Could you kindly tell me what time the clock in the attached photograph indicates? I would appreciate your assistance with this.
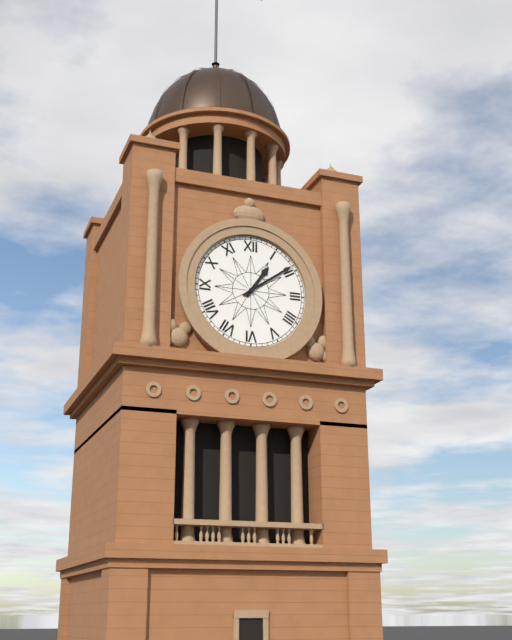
1:09
